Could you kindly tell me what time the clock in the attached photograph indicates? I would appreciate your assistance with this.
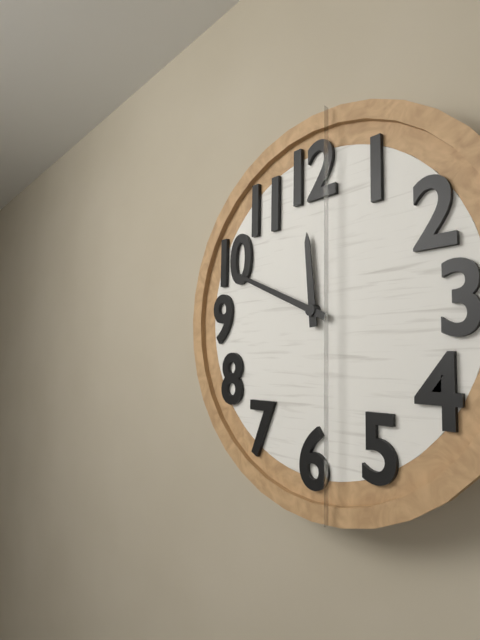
11:49
